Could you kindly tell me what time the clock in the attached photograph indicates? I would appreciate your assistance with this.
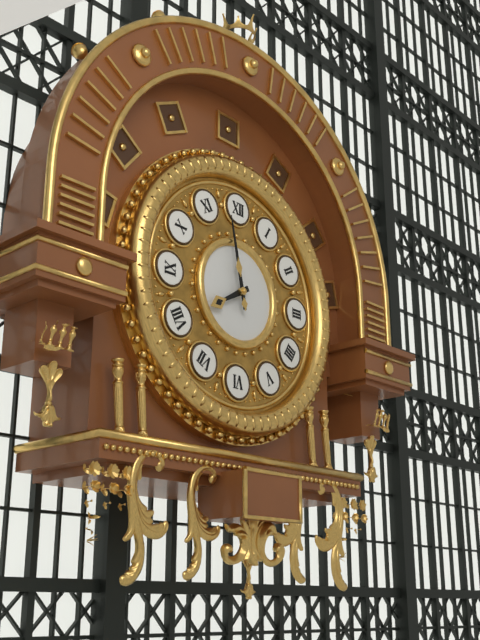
7:58
